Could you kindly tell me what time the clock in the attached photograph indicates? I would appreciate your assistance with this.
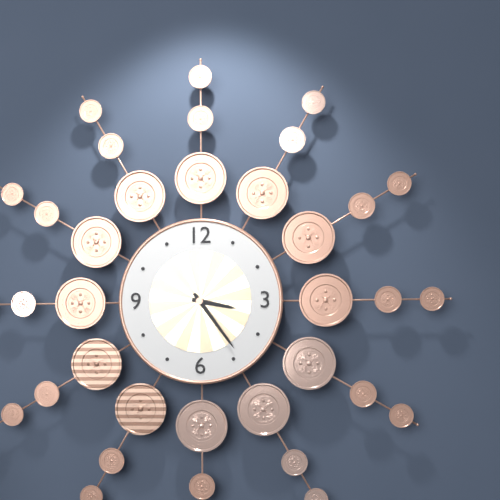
3:24
